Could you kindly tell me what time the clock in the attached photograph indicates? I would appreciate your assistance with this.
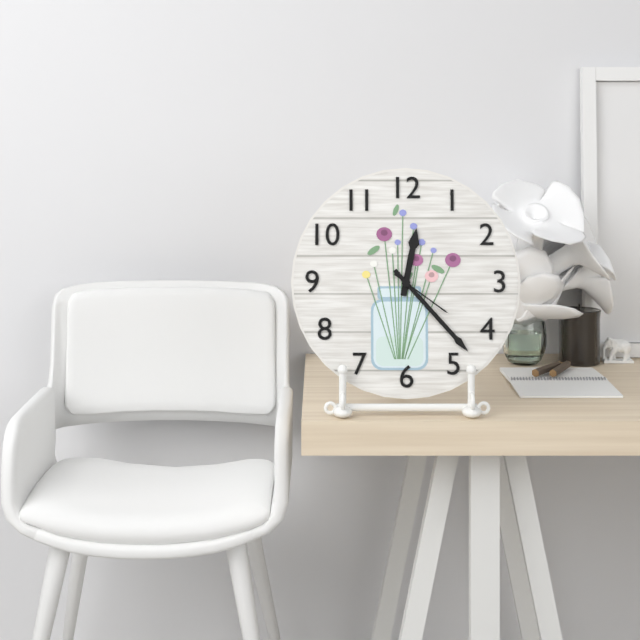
12:23:21
